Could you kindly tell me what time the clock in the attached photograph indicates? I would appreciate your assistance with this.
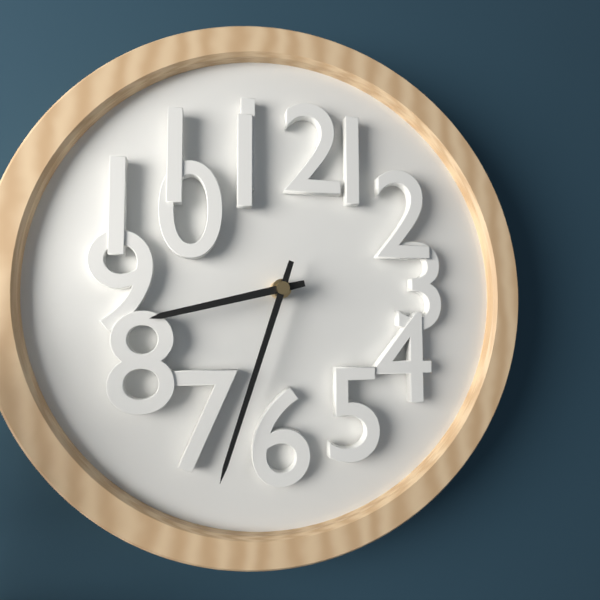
8:33
